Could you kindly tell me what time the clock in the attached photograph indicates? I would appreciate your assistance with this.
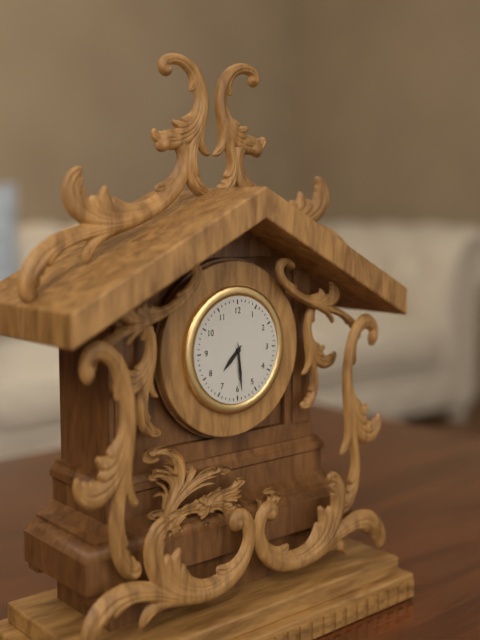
7:29
